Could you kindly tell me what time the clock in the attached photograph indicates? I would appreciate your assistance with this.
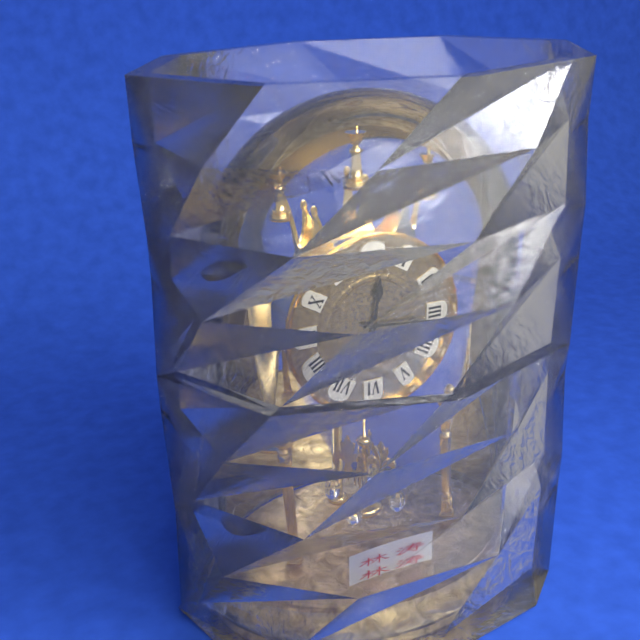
12:16
